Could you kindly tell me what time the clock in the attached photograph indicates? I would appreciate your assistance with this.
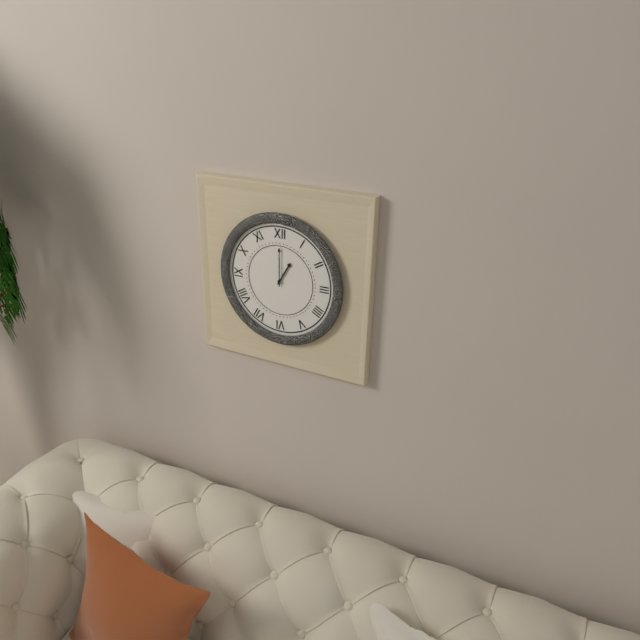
1:00
